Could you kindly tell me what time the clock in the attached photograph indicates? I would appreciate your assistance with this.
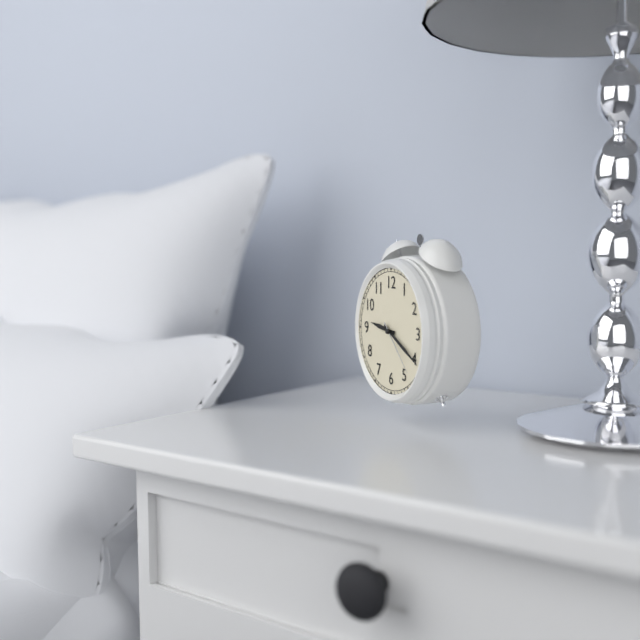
9:20:23
